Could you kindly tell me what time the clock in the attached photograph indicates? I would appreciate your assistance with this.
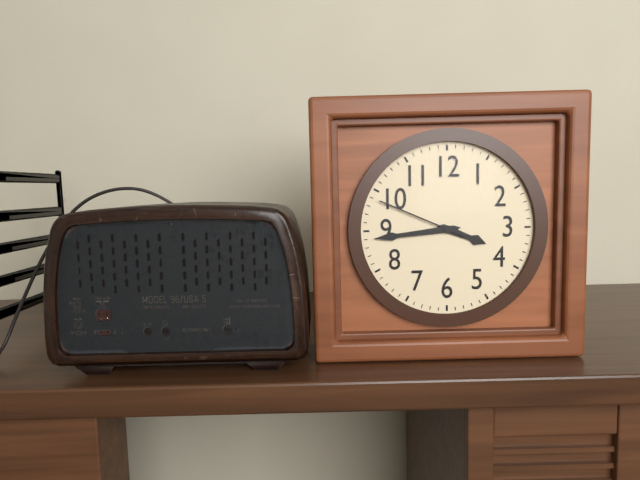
3:44:49
